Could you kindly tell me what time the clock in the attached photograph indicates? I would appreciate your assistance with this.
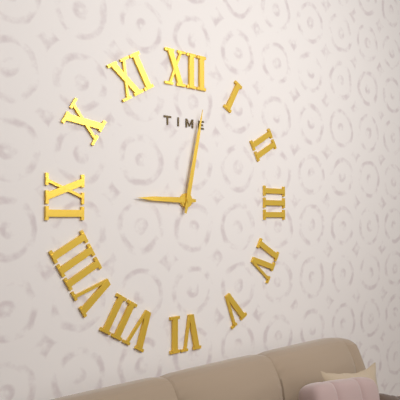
9:02
